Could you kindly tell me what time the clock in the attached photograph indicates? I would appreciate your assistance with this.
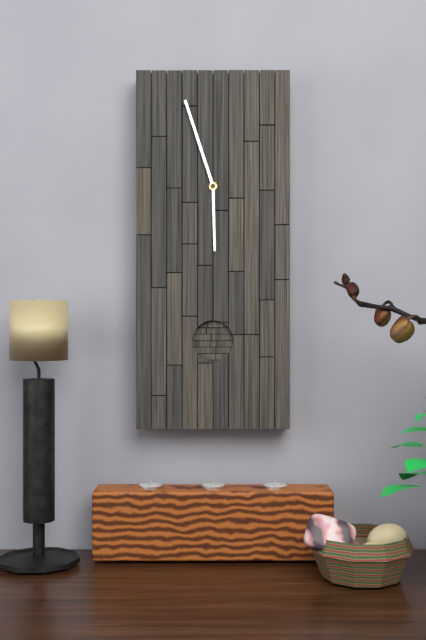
5:57
